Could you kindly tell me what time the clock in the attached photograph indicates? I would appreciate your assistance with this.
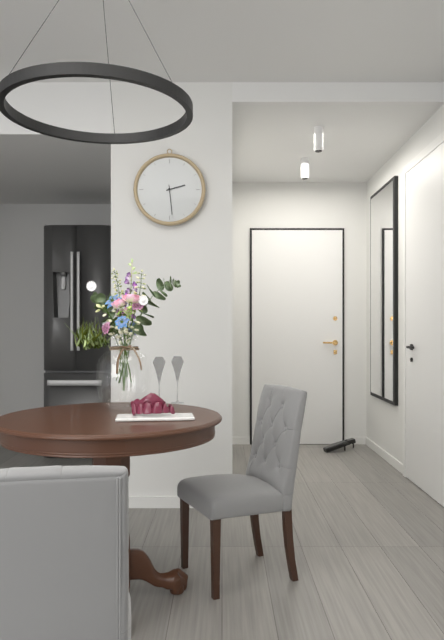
2:29
